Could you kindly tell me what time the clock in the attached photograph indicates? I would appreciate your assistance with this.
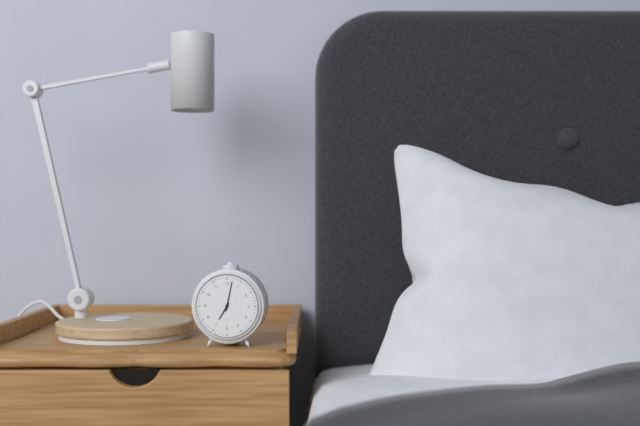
7:02
